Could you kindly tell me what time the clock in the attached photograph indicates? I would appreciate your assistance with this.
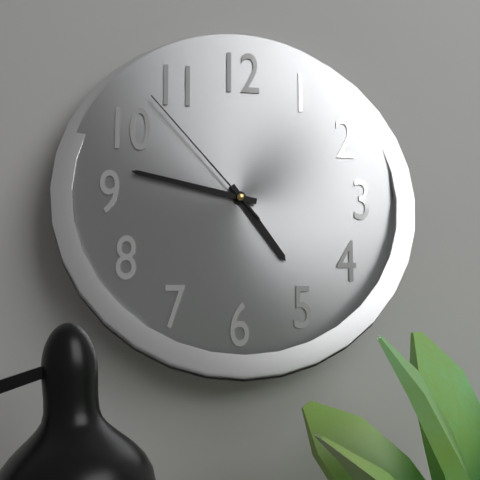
4:47:53
